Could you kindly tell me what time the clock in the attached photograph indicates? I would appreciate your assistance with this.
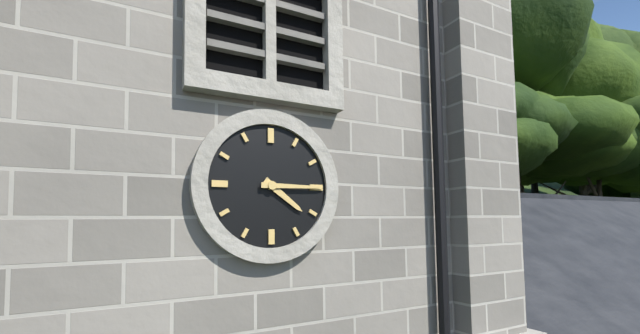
4:15
